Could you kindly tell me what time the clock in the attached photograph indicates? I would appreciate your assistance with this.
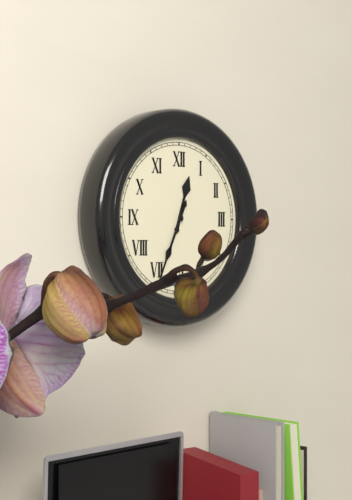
12:34
